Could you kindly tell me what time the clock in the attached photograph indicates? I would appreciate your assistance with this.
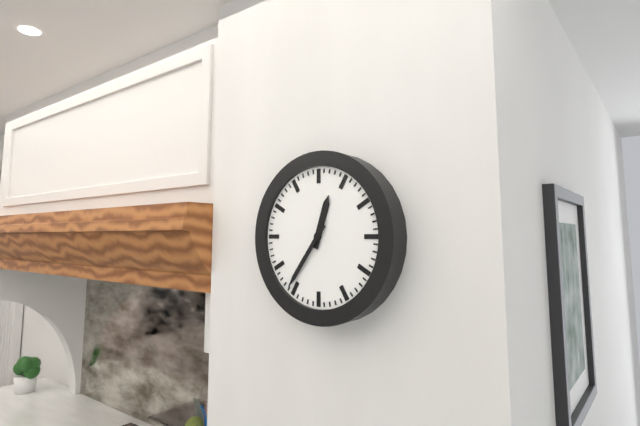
12:36
